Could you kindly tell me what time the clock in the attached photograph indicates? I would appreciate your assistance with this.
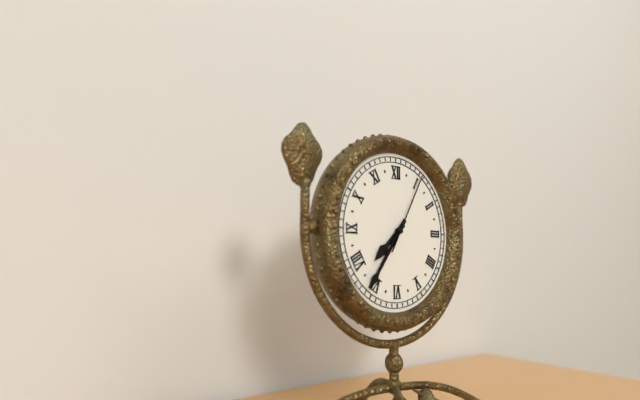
7:36:05
